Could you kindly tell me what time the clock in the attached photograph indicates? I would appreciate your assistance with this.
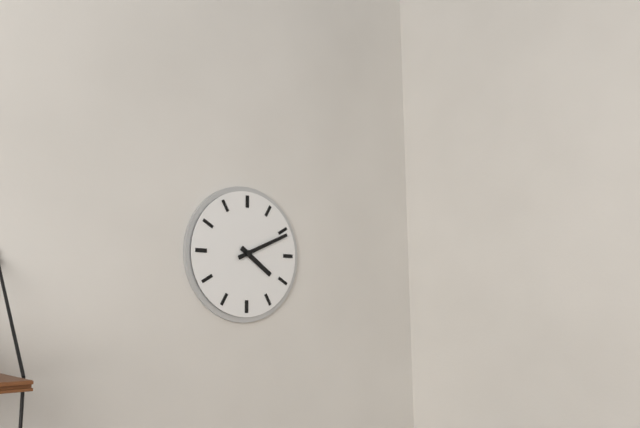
4:11
